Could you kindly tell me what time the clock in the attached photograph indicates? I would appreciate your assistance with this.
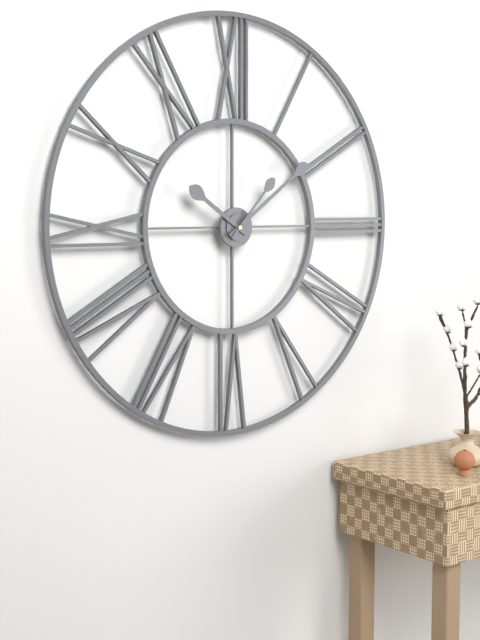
10:09:07
